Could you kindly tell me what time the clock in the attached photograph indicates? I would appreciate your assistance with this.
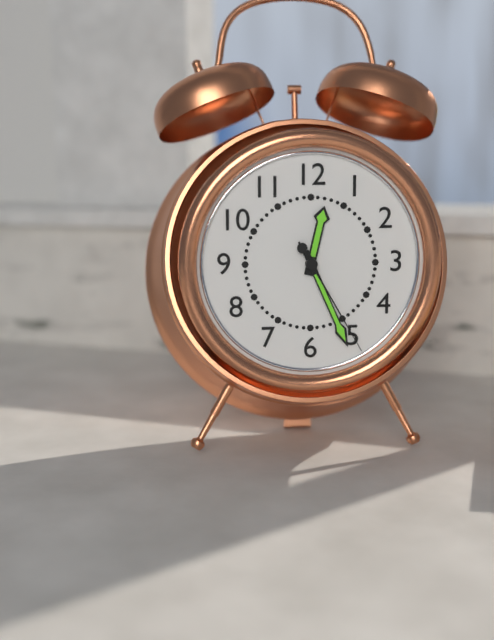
12:26:25
